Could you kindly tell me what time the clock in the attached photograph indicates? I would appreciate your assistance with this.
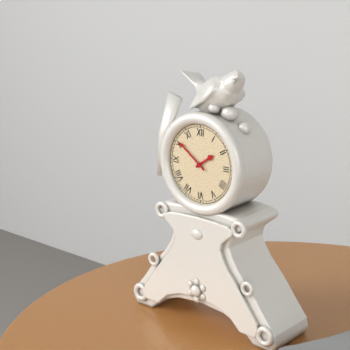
1:51
